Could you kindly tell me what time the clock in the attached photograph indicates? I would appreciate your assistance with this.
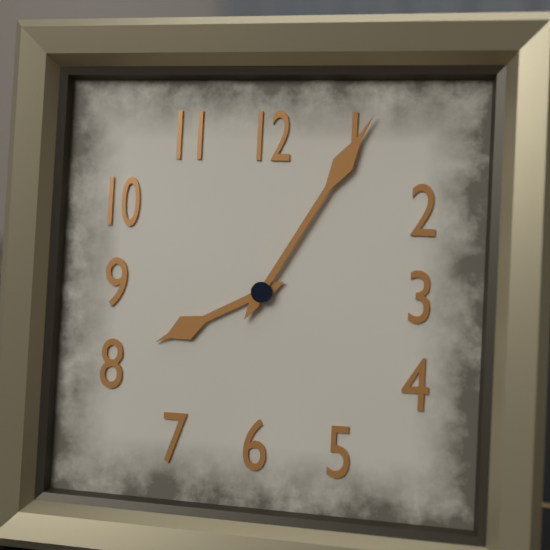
8:05
